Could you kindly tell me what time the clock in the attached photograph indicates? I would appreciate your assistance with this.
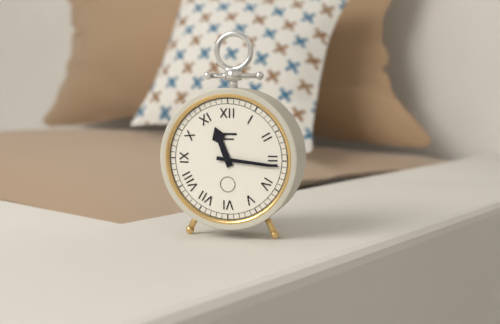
11:16
